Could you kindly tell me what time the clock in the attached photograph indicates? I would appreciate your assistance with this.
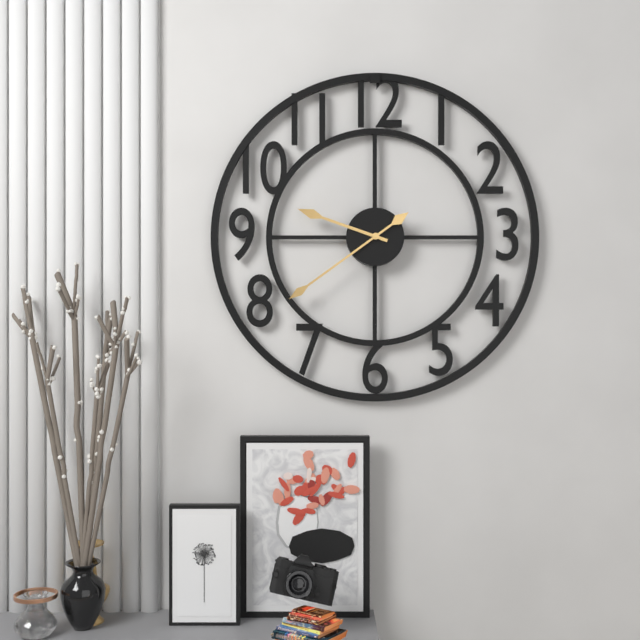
9:39
